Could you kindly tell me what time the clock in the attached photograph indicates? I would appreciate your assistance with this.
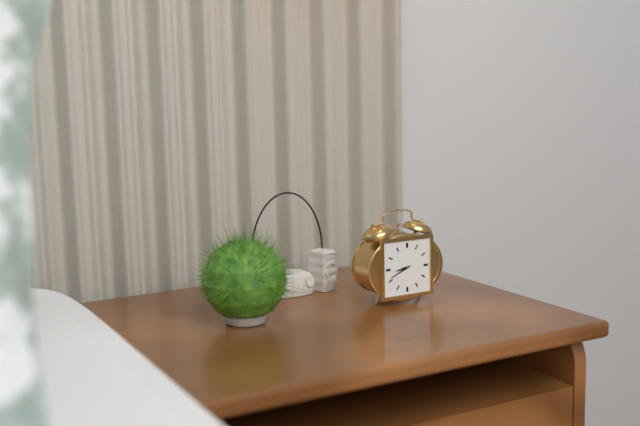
8:41
